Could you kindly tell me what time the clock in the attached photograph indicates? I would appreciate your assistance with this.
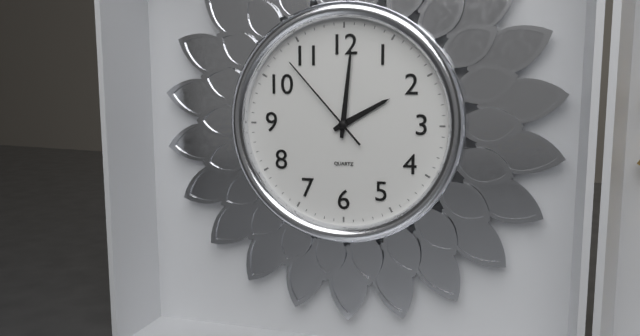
2:01:53
